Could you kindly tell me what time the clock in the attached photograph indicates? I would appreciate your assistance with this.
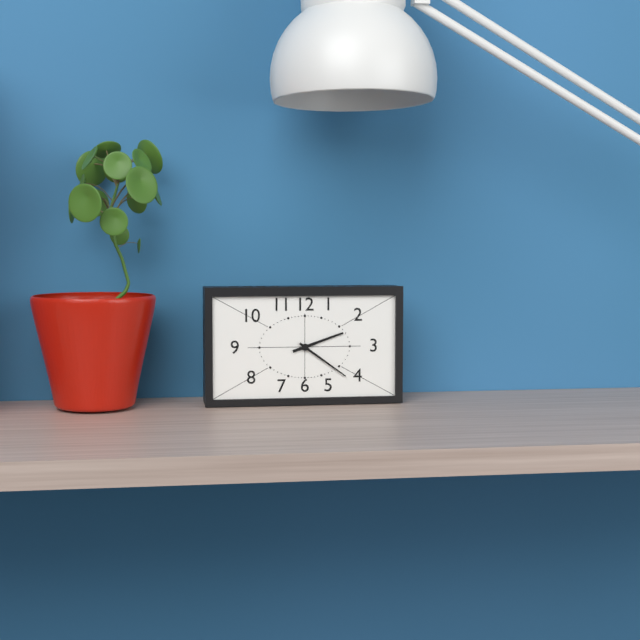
2:21
